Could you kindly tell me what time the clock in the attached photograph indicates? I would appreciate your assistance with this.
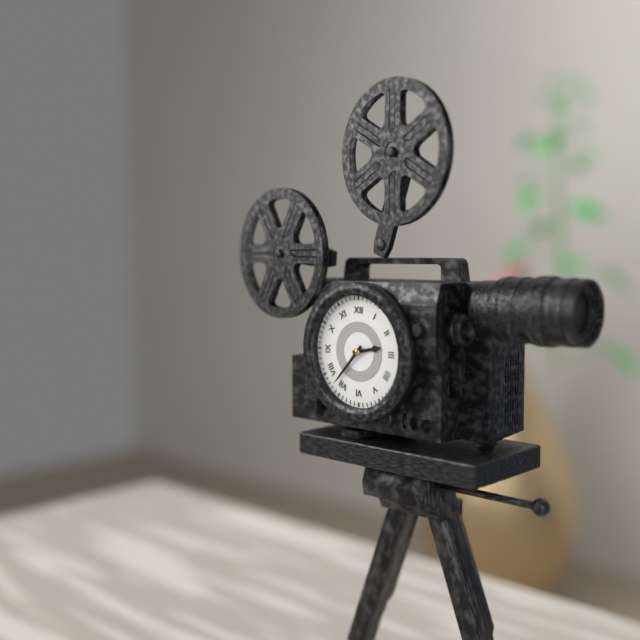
2:37
